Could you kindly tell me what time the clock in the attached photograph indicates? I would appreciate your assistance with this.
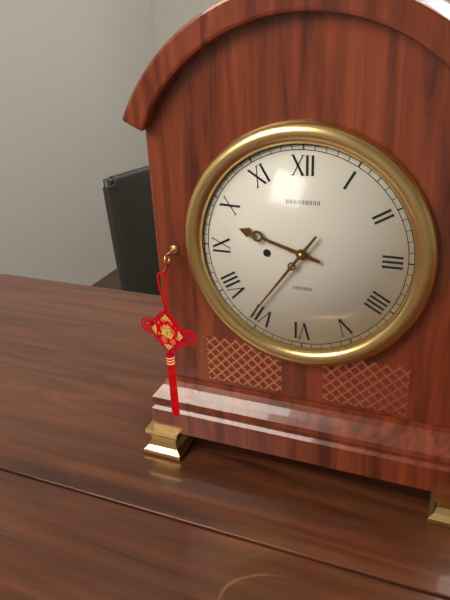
9:36
